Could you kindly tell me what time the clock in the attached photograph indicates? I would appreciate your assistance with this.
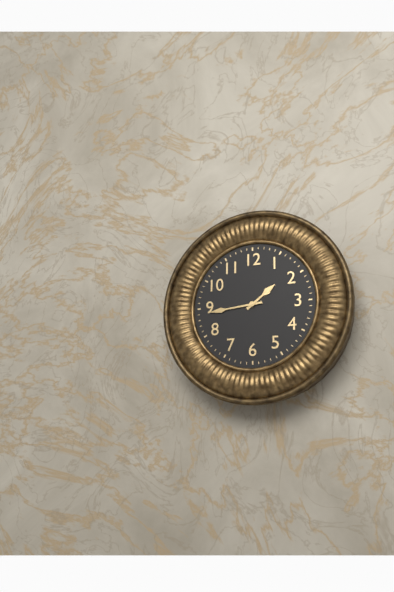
1:44
